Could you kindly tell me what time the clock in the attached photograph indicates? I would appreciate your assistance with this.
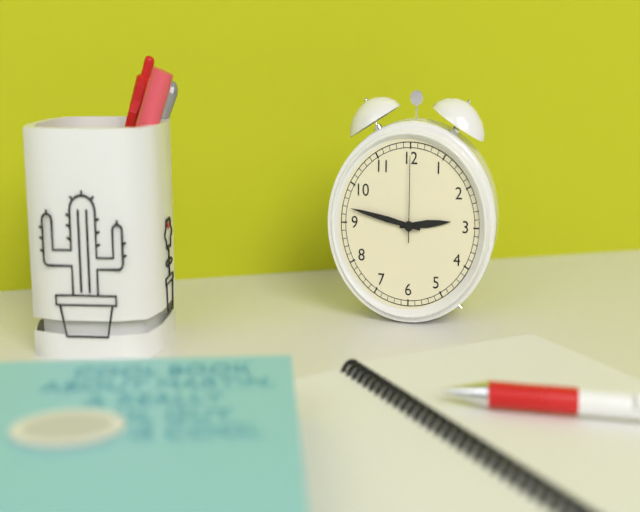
2:47:00
